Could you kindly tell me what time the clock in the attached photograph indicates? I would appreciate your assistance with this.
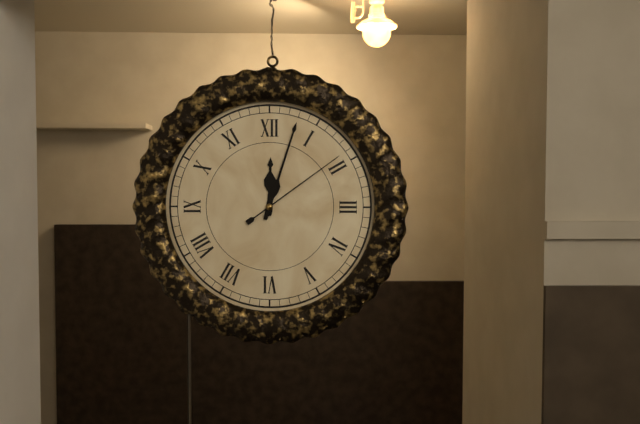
12:03:09
